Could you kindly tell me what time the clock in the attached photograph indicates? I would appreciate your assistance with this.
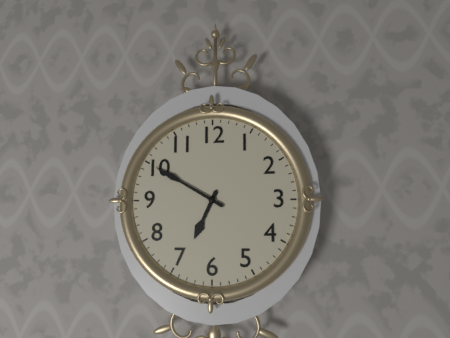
6:50
